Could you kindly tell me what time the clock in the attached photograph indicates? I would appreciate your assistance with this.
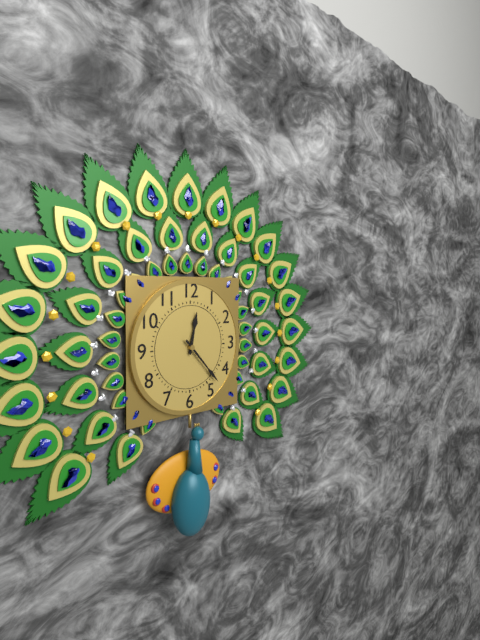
12:23
